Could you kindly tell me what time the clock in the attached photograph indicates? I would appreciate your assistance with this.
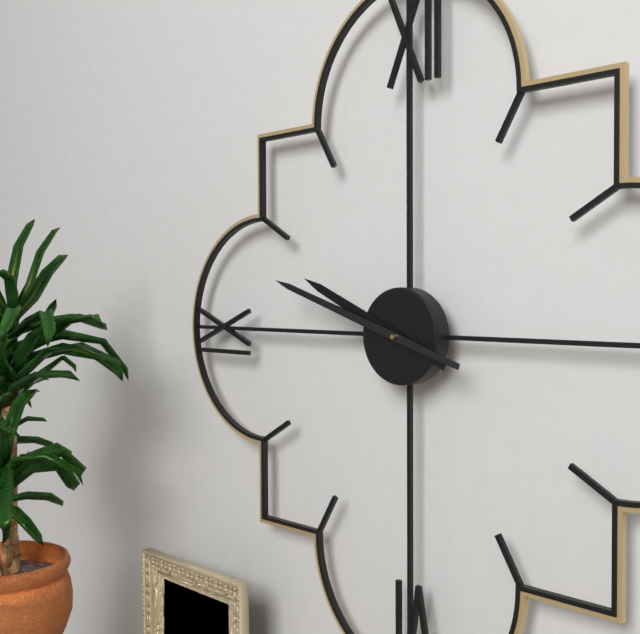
9:48
